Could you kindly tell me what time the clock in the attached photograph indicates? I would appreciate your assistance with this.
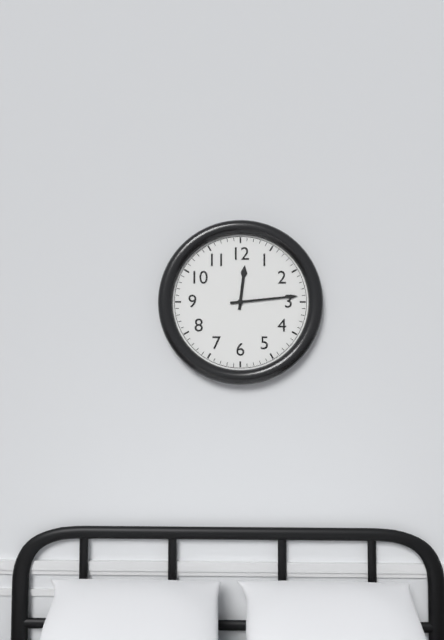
12:14
